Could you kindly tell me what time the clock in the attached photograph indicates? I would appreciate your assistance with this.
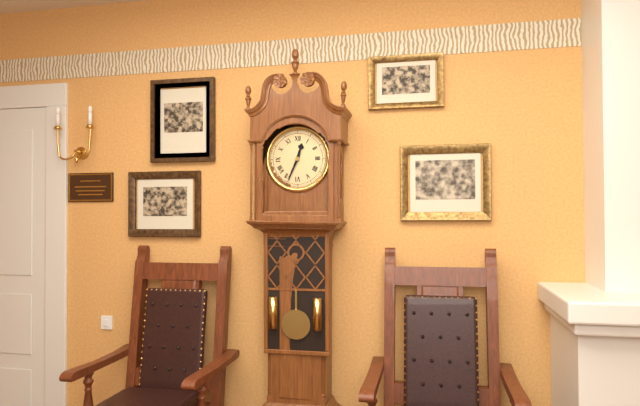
12:34
